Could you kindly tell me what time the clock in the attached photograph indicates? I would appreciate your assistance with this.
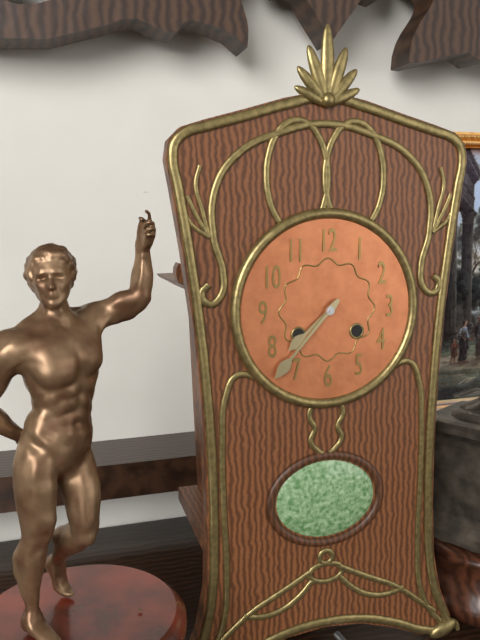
7:37
